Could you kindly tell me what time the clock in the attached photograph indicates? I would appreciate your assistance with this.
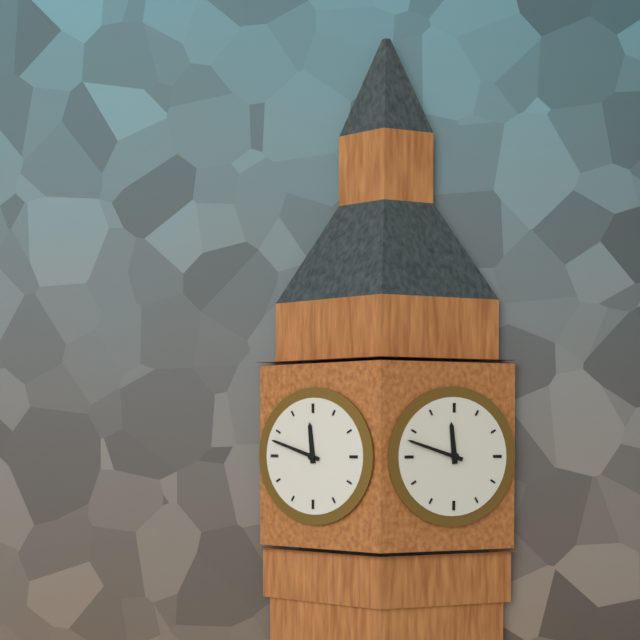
11:48
